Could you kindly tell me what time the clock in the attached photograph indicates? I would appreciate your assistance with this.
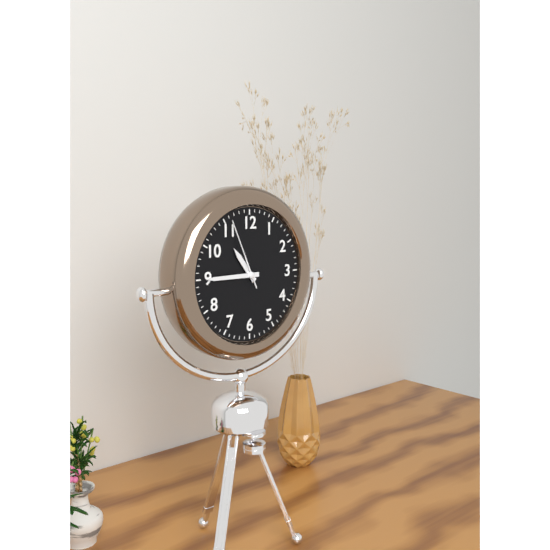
10:45:56
